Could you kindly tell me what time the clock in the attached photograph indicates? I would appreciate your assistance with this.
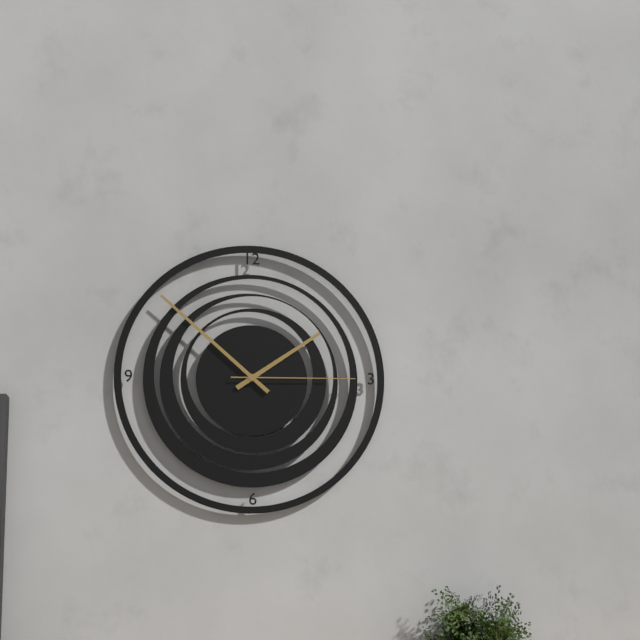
1:52:15
